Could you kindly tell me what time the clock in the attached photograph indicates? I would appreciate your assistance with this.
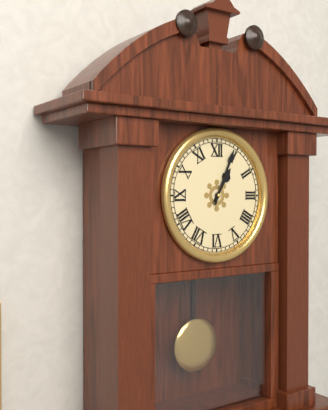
1:04
